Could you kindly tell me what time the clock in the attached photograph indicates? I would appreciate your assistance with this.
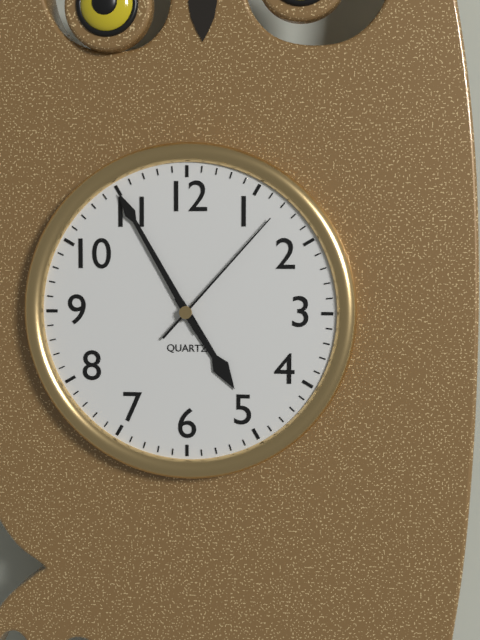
4:55:07
